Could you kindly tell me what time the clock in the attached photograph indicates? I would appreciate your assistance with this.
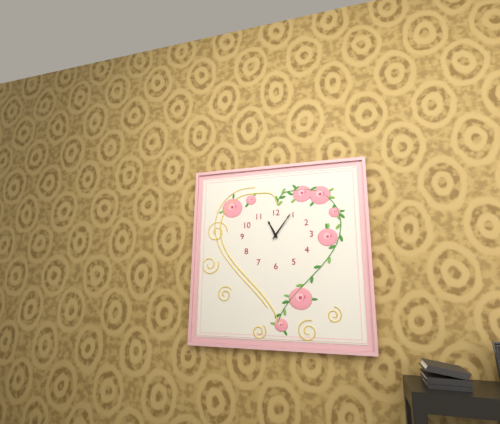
11:06
